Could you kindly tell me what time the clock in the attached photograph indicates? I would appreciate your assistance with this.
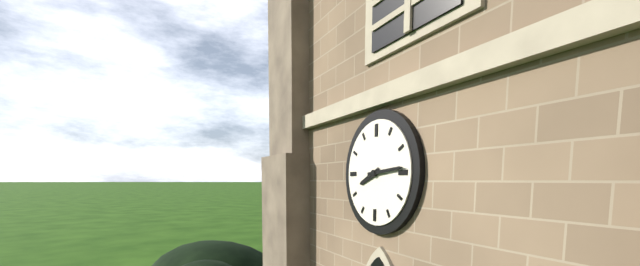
8:14
